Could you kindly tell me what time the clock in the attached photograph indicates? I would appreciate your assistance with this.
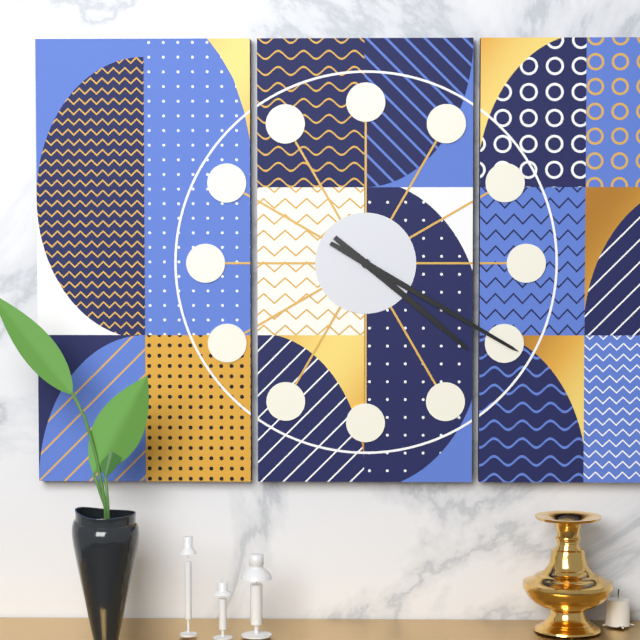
4:20
